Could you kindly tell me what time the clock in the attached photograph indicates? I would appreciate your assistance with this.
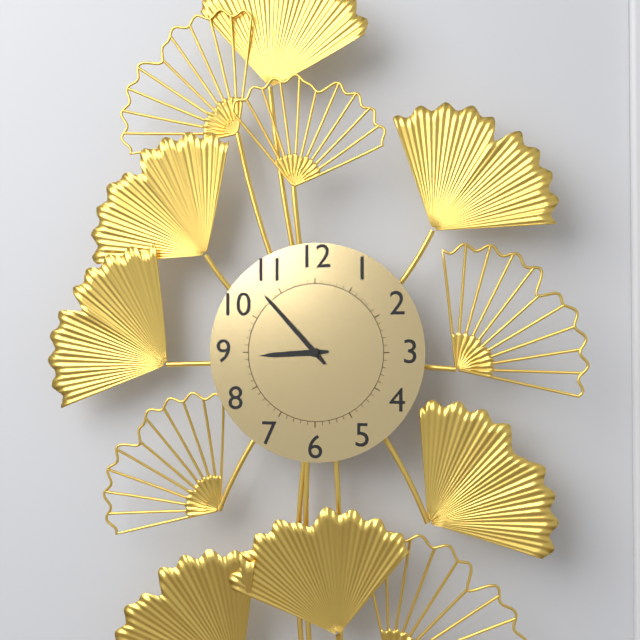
8:53
